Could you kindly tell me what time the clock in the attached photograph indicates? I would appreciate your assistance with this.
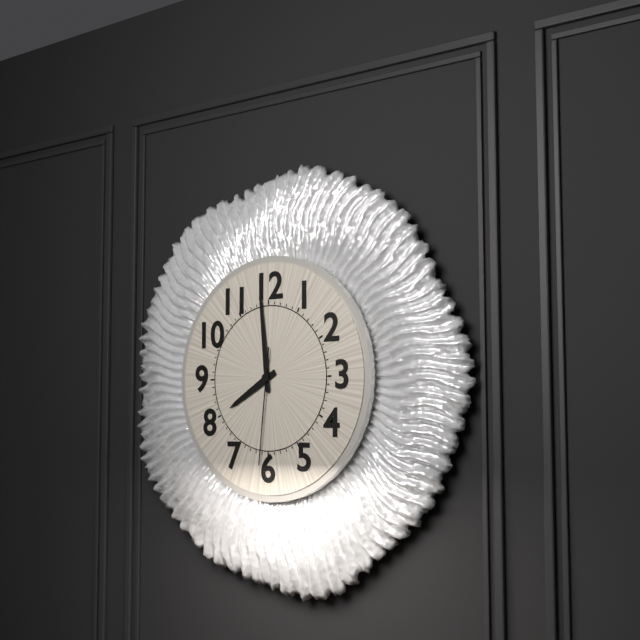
7:59:31
